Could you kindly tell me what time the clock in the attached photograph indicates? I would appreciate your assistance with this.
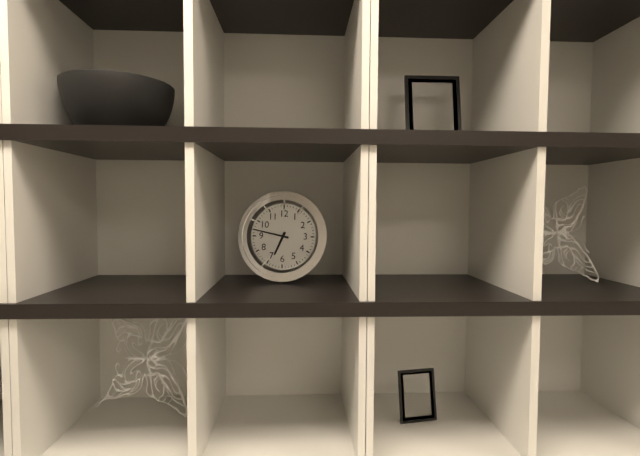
6:47
